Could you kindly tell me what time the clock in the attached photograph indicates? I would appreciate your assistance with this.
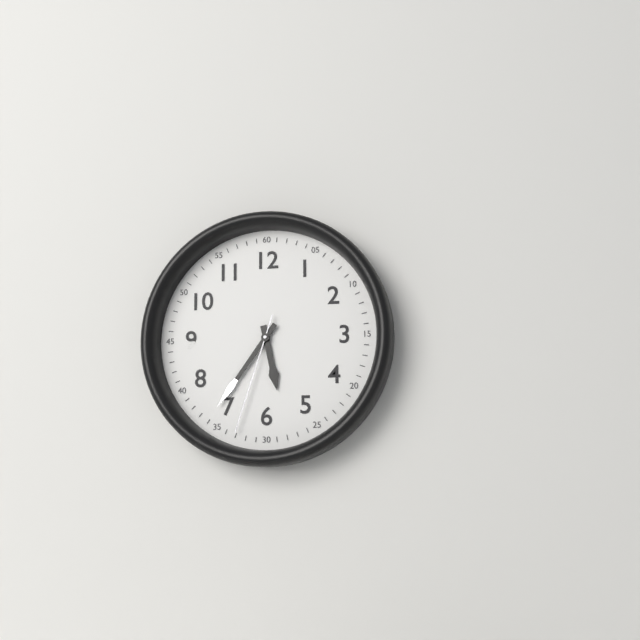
5:36:33
